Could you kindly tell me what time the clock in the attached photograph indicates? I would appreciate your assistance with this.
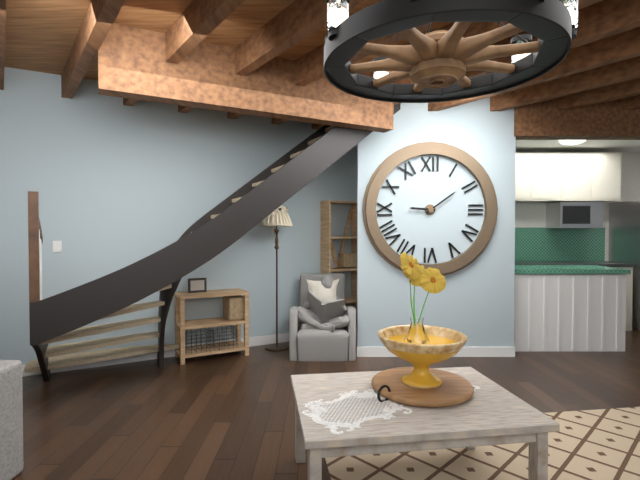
9:09
